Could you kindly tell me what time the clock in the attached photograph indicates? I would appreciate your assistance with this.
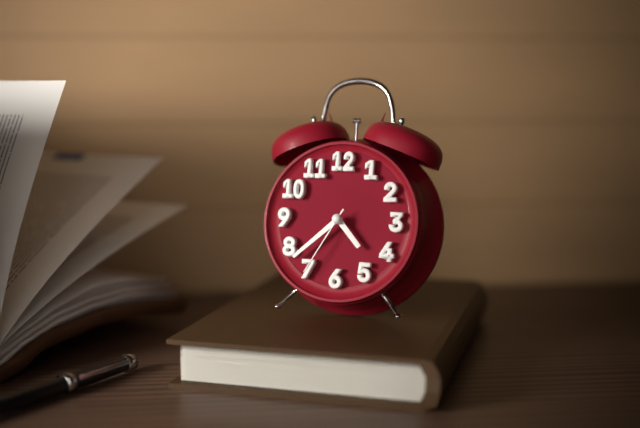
4:38:35
